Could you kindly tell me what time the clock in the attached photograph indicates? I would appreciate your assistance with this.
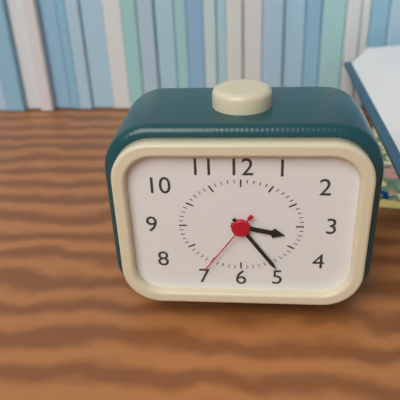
3:24:36
